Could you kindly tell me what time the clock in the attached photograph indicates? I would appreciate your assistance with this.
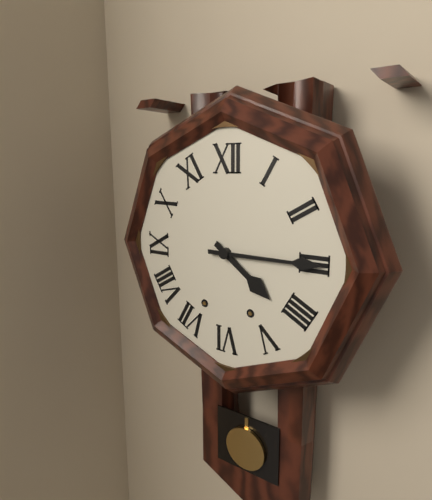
4:15
